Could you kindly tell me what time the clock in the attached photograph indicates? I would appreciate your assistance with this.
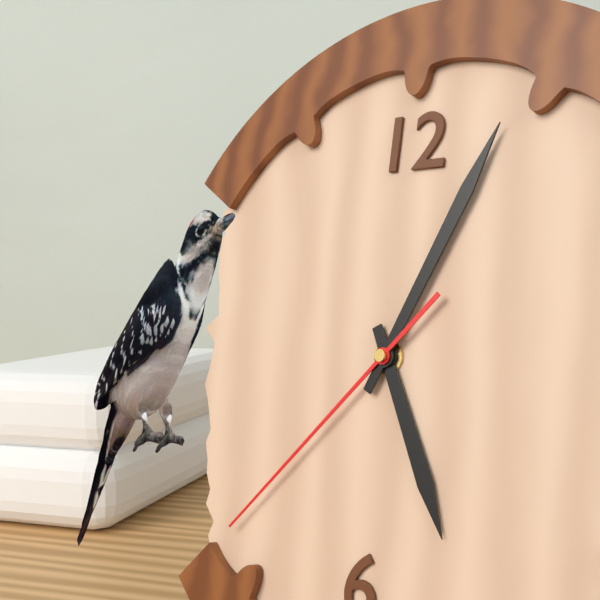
5:04:37
